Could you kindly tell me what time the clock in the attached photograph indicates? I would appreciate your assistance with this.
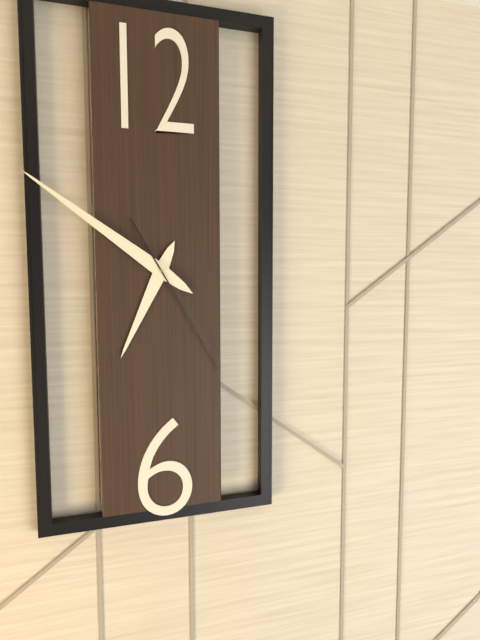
6:51:25
